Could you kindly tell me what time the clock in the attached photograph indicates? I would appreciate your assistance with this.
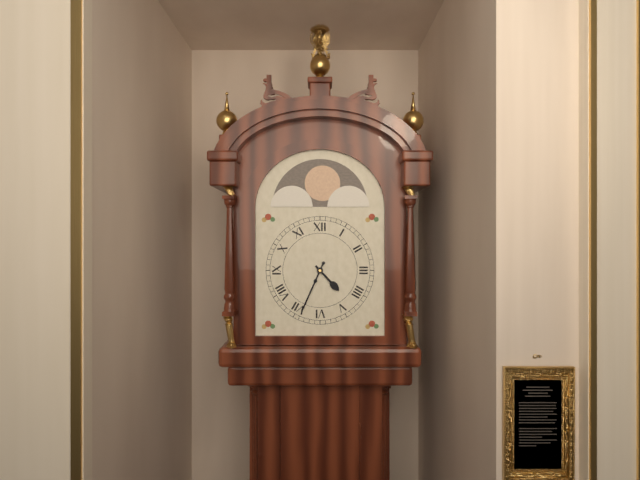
4:34
